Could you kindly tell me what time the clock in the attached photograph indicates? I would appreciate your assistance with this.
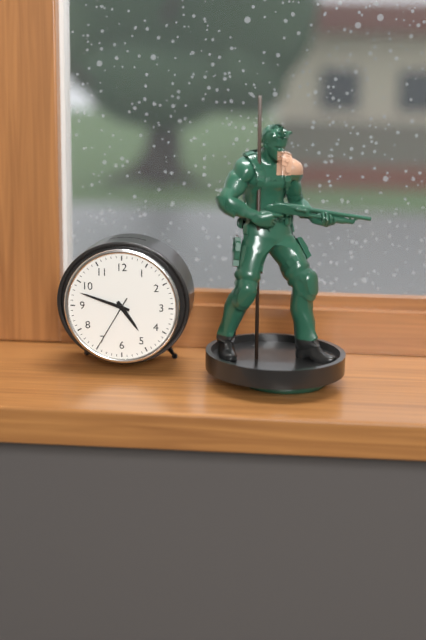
4:48:35
